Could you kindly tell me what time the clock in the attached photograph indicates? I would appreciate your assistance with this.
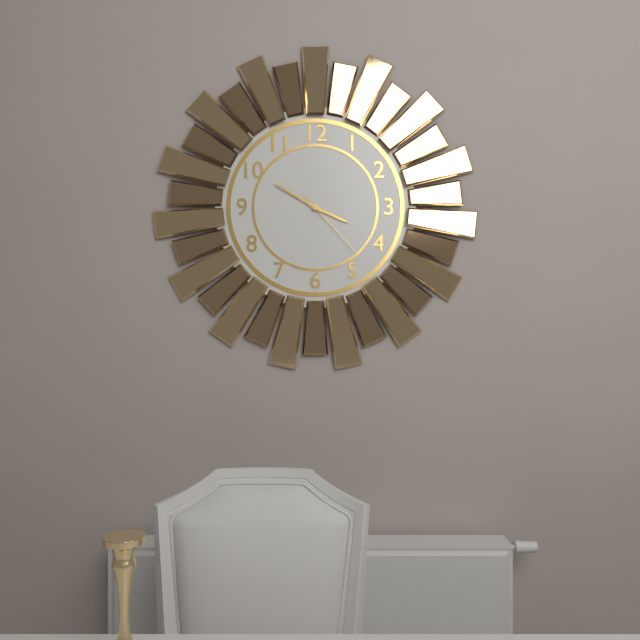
3:50:23
